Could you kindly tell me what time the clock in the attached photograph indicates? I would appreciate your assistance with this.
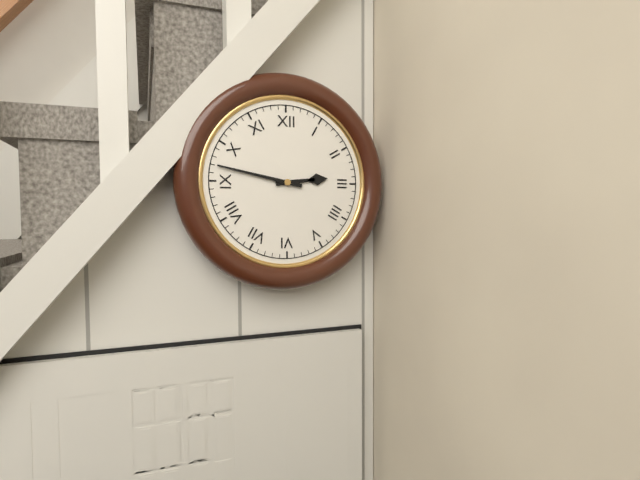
2:47
